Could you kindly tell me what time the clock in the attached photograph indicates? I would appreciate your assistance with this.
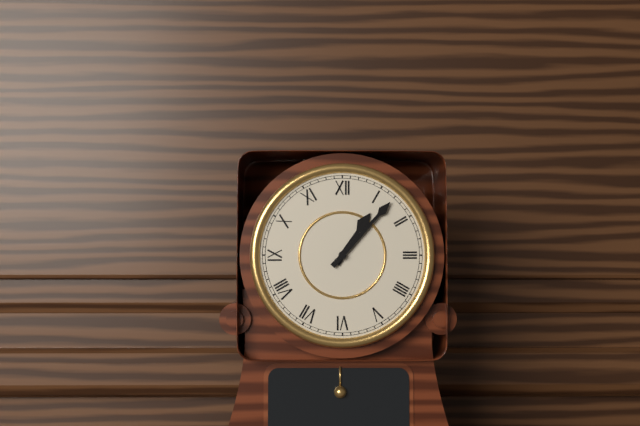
1:07
